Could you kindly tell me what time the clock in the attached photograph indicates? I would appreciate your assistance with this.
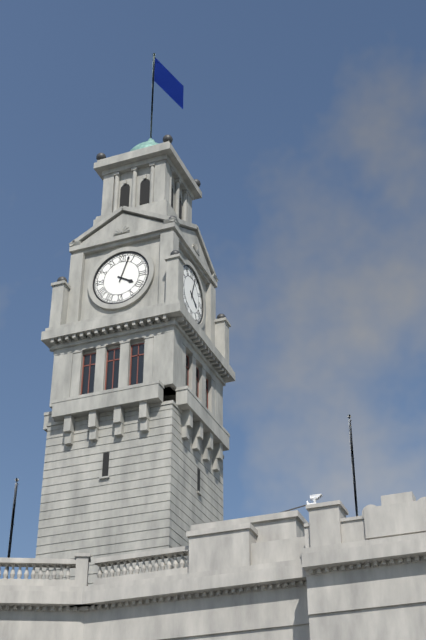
4:03
